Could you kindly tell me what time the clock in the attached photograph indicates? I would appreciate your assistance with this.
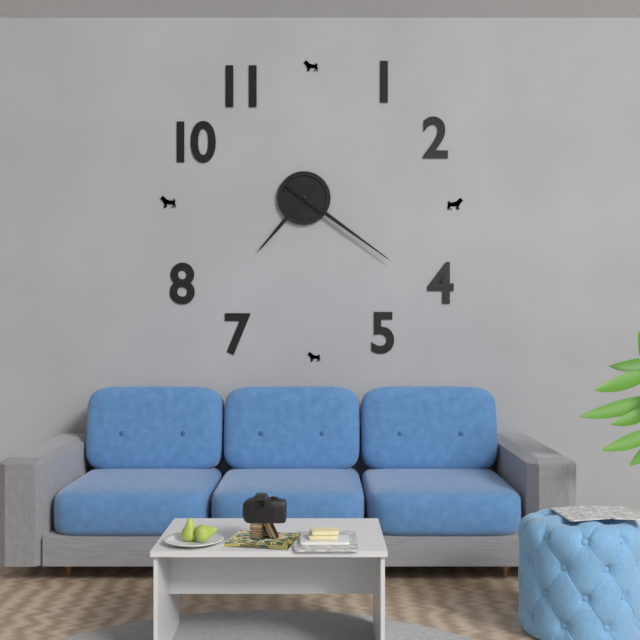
7:21
